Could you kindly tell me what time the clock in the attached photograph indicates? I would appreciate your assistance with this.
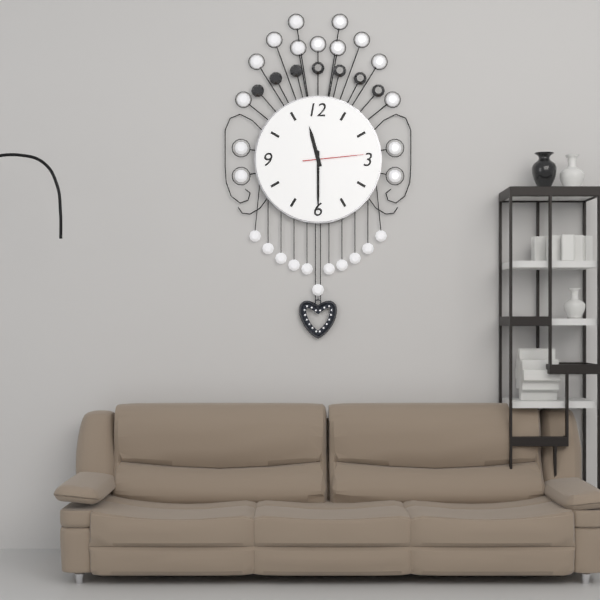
11:30:14
